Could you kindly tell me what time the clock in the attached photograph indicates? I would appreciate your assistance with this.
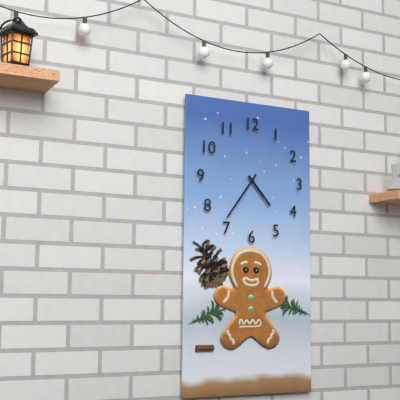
4:36
